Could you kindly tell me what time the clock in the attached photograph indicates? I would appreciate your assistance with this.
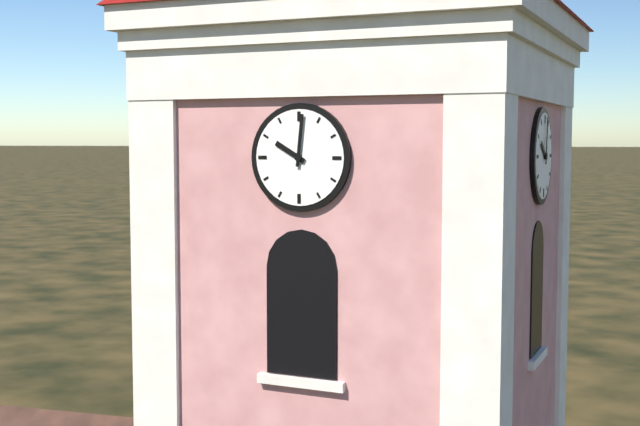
10:01
